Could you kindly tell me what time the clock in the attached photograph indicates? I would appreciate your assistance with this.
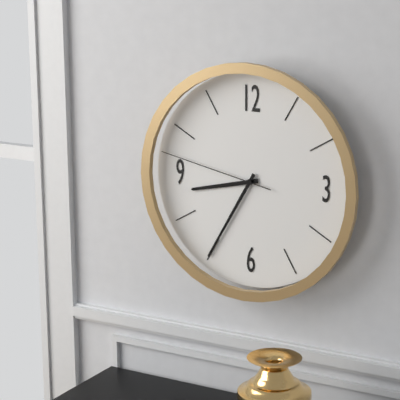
8:35:47
